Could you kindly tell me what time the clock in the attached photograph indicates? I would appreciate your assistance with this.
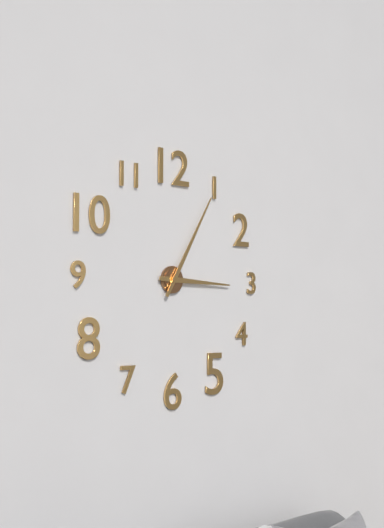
3:05
